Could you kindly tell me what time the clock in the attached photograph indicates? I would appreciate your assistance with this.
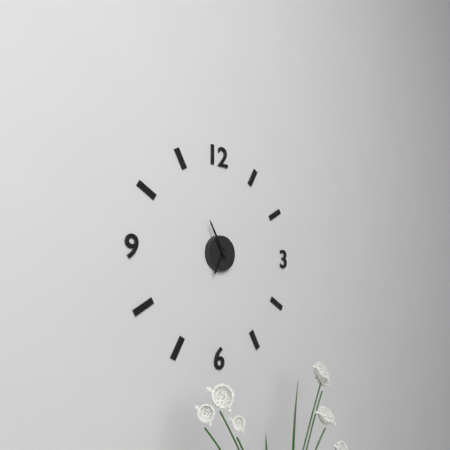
6:55
